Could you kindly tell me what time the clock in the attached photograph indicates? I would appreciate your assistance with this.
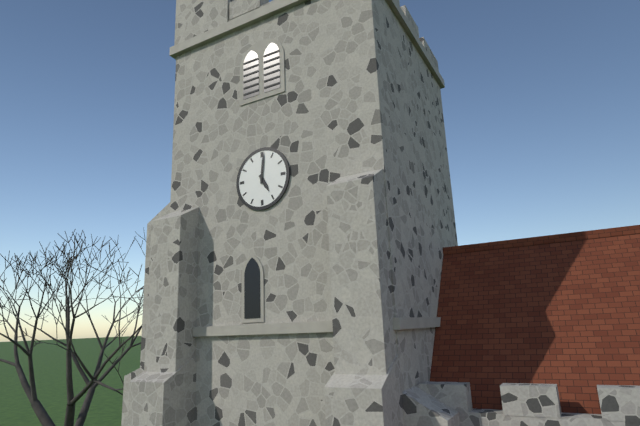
5:01
